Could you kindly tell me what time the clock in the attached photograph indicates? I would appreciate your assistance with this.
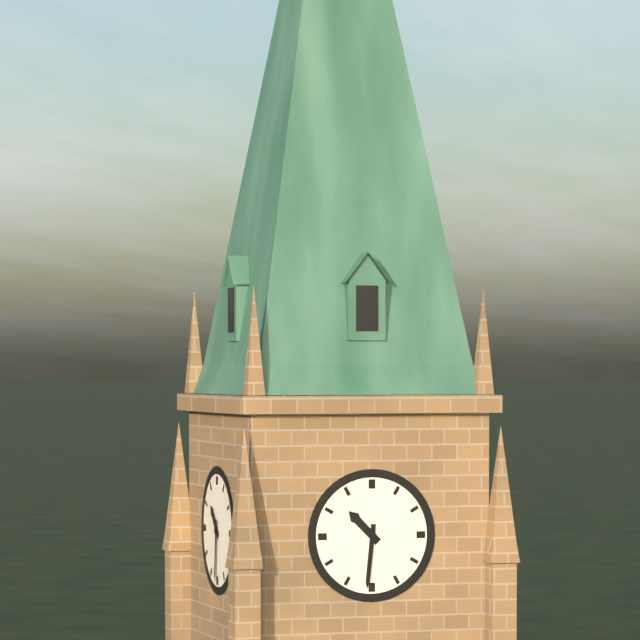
10:31
